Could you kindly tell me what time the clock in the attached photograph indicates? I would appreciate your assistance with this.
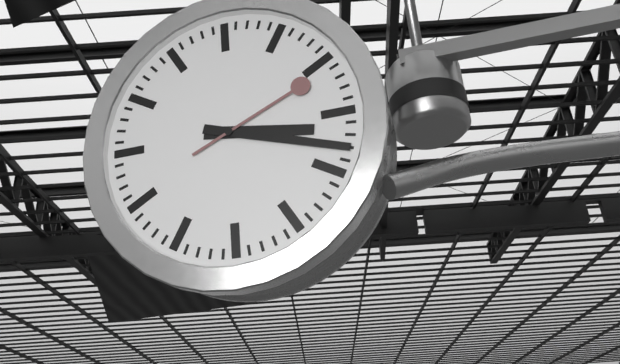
3:18:11
